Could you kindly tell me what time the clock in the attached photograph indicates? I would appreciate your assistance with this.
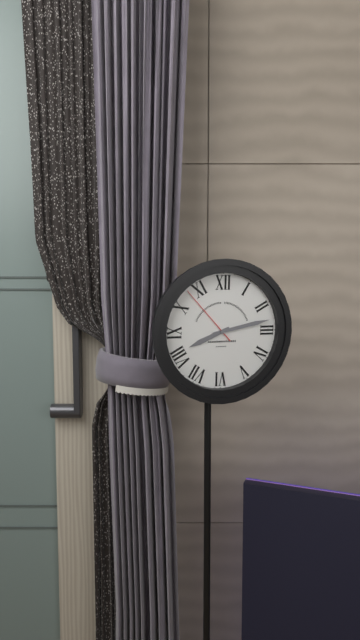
8:13:53
